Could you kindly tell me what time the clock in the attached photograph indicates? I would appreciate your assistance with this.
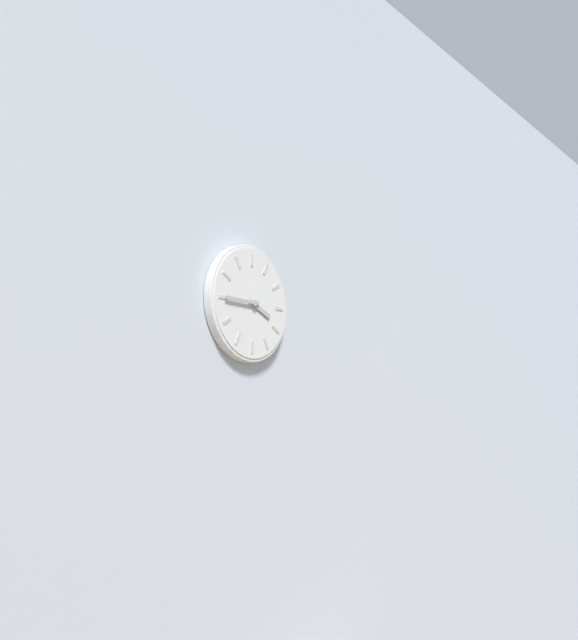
3:45
